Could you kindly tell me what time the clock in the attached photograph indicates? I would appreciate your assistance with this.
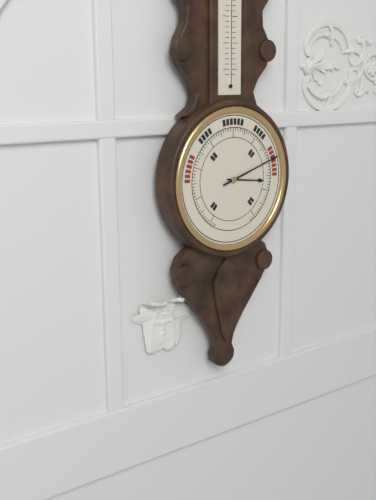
3:12
